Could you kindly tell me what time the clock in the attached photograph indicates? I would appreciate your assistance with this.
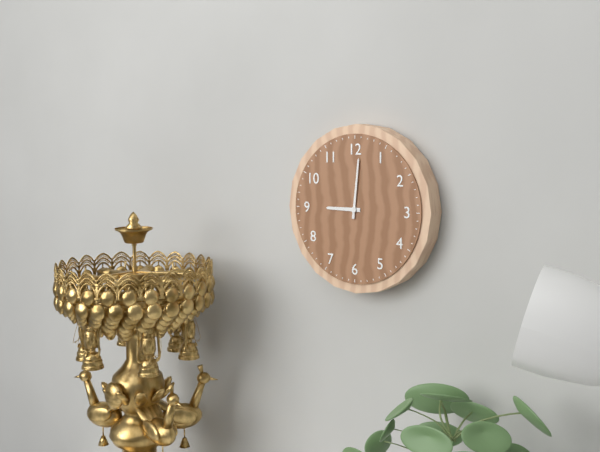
9:01
